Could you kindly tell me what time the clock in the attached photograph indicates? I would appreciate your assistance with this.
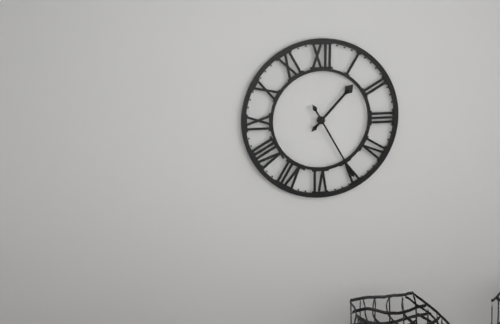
1:25
